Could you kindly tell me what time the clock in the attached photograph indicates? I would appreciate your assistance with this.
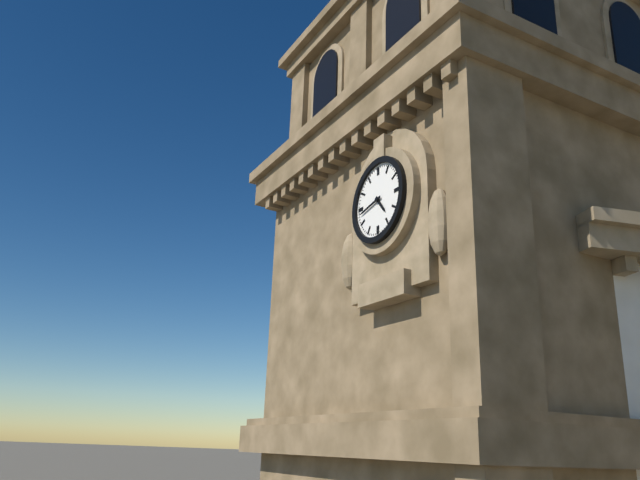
4:43
